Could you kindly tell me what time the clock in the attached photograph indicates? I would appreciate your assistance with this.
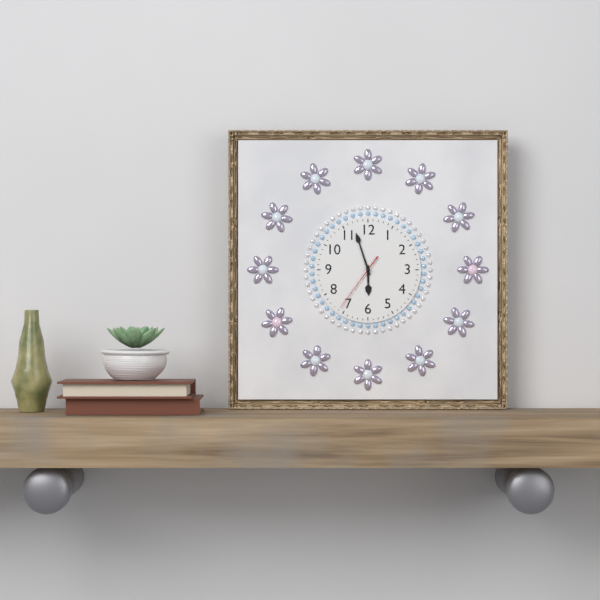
5:57:36
